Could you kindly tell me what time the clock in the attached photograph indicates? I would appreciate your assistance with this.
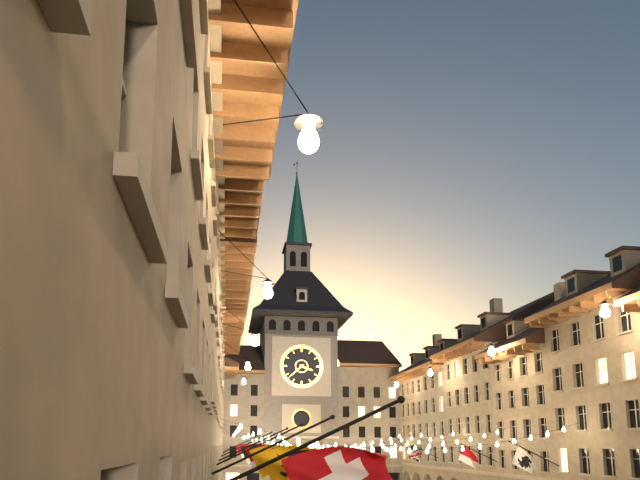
3:38
